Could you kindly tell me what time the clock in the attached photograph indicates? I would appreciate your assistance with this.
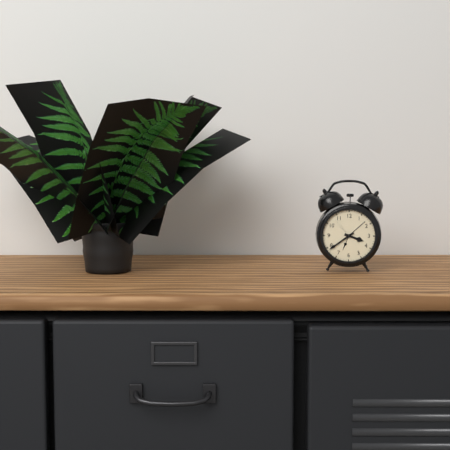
3:39
